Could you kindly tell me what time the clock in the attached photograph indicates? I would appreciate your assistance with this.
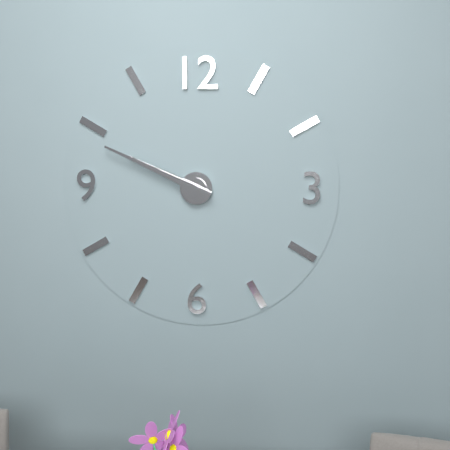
9:49
